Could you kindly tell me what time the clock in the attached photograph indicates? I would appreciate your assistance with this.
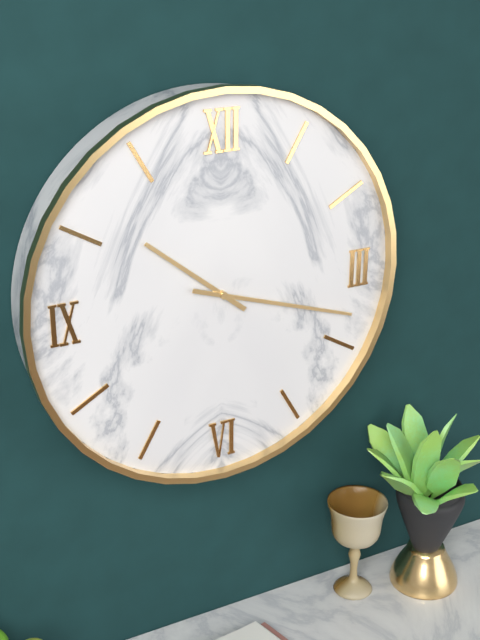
10:18
